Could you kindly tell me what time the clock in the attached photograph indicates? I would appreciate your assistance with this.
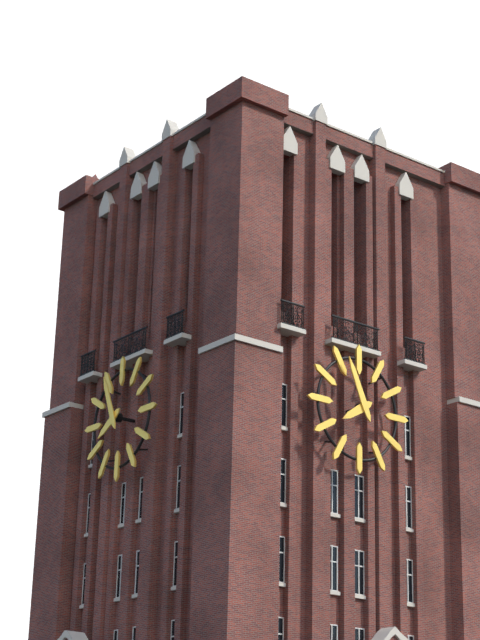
7:56
